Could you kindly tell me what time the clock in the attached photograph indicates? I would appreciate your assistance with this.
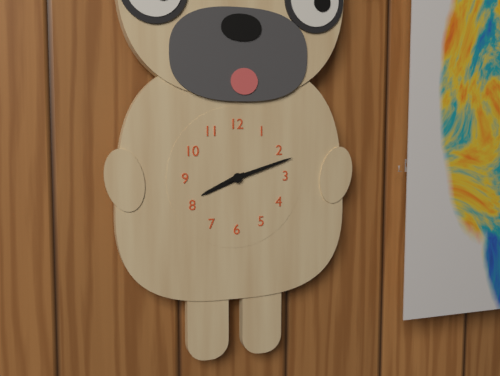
8:12
